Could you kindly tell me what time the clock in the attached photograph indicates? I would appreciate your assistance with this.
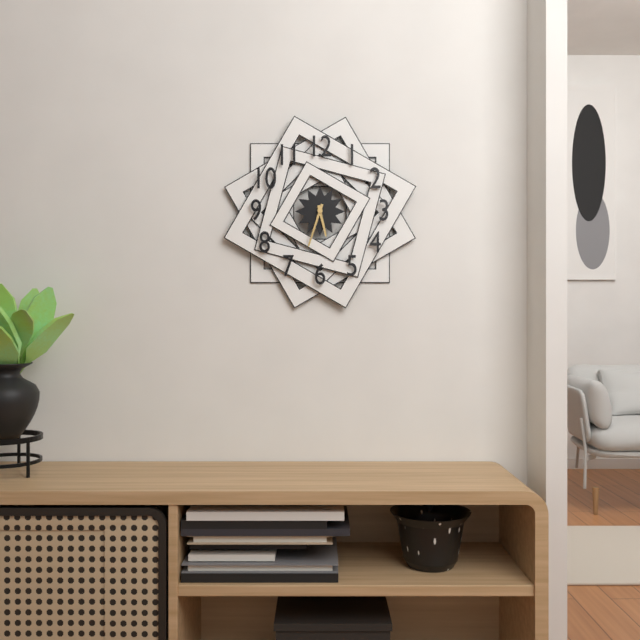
5:33
